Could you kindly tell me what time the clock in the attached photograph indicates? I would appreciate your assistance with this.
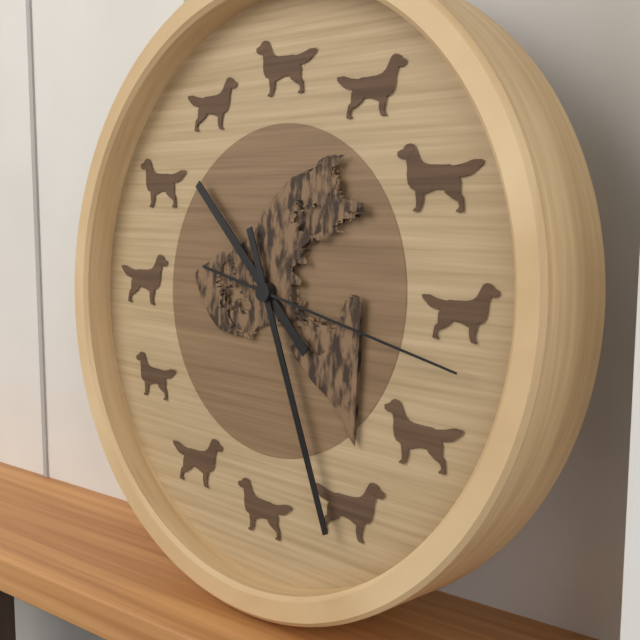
10:26:17
